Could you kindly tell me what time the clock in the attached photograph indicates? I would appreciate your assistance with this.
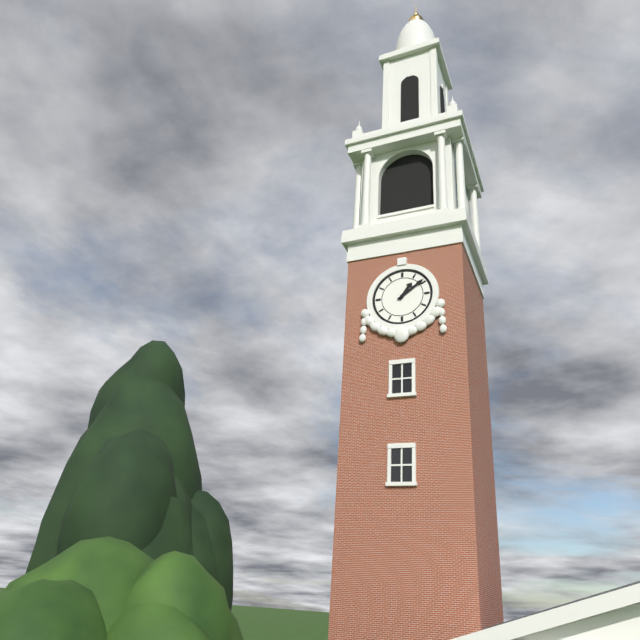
1:09
